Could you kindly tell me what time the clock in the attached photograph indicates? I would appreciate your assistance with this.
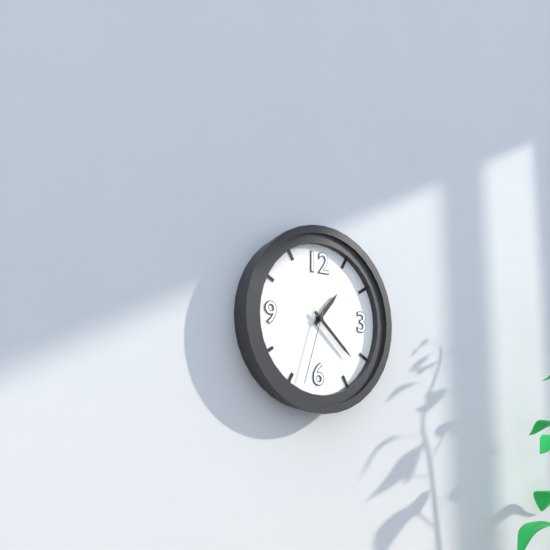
1:22:33
